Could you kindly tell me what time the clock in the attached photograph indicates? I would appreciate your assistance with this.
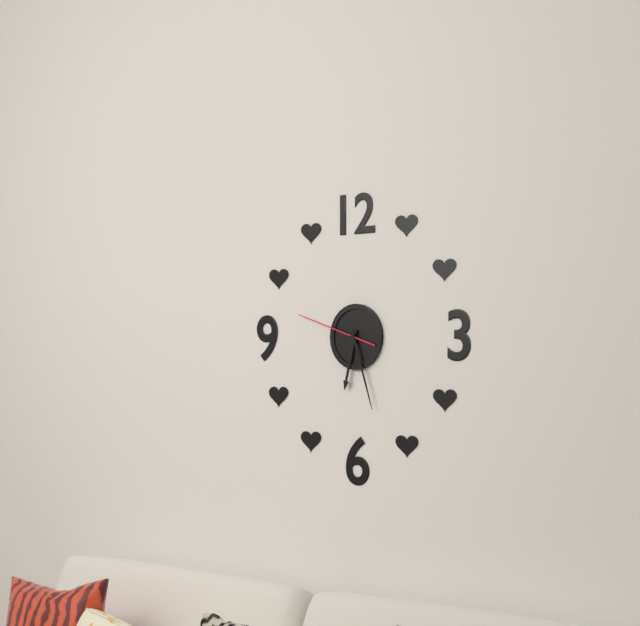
6:27:48
